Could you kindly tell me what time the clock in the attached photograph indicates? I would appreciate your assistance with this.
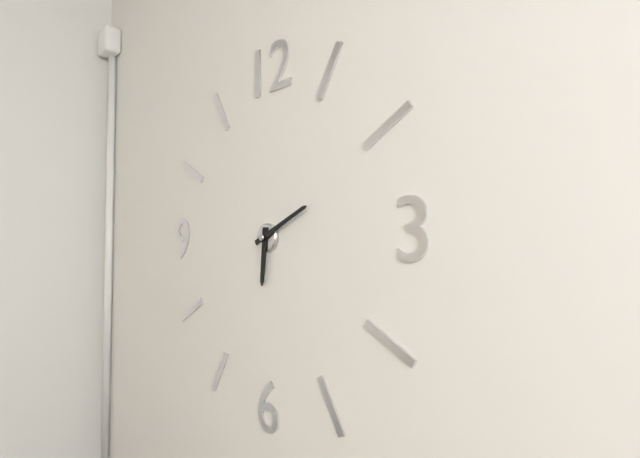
6:11
